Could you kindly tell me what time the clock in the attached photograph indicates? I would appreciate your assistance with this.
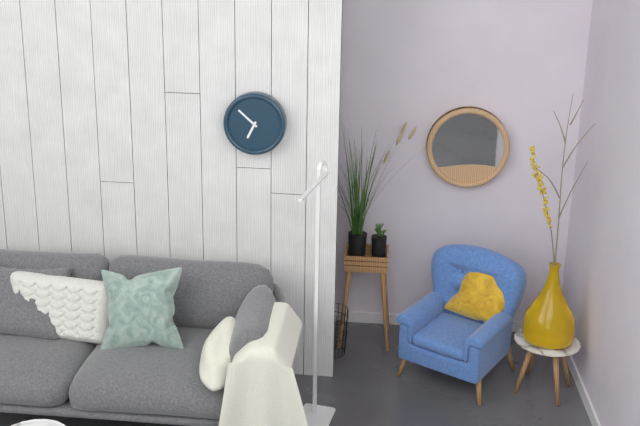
6:52
